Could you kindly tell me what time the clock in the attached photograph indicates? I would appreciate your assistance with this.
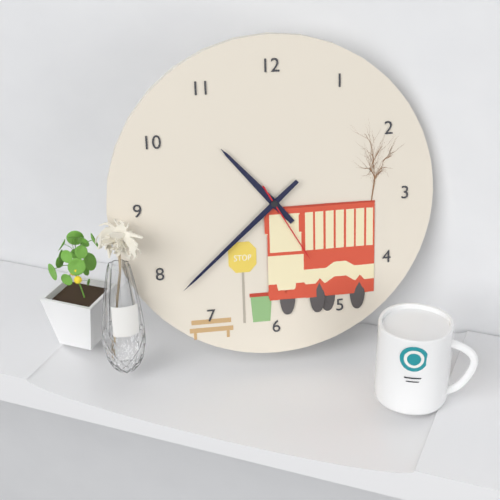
10:38:25
